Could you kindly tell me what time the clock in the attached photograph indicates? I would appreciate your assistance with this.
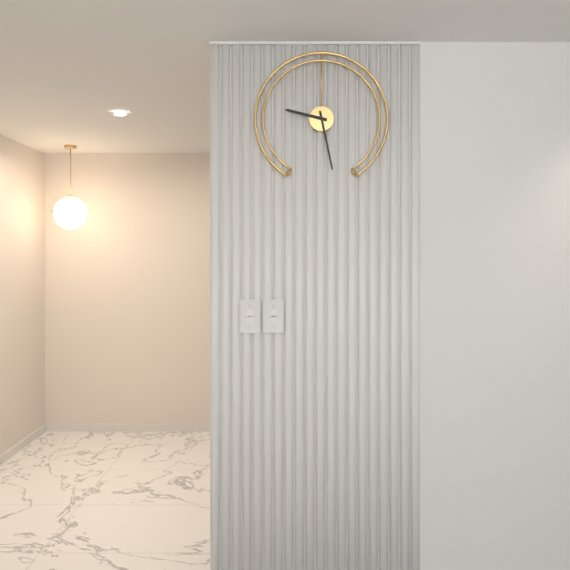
9:28
